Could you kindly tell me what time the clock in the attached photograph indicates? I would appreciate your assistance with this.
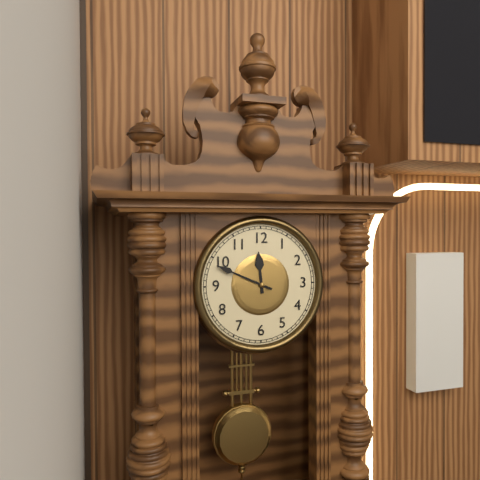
11:49
